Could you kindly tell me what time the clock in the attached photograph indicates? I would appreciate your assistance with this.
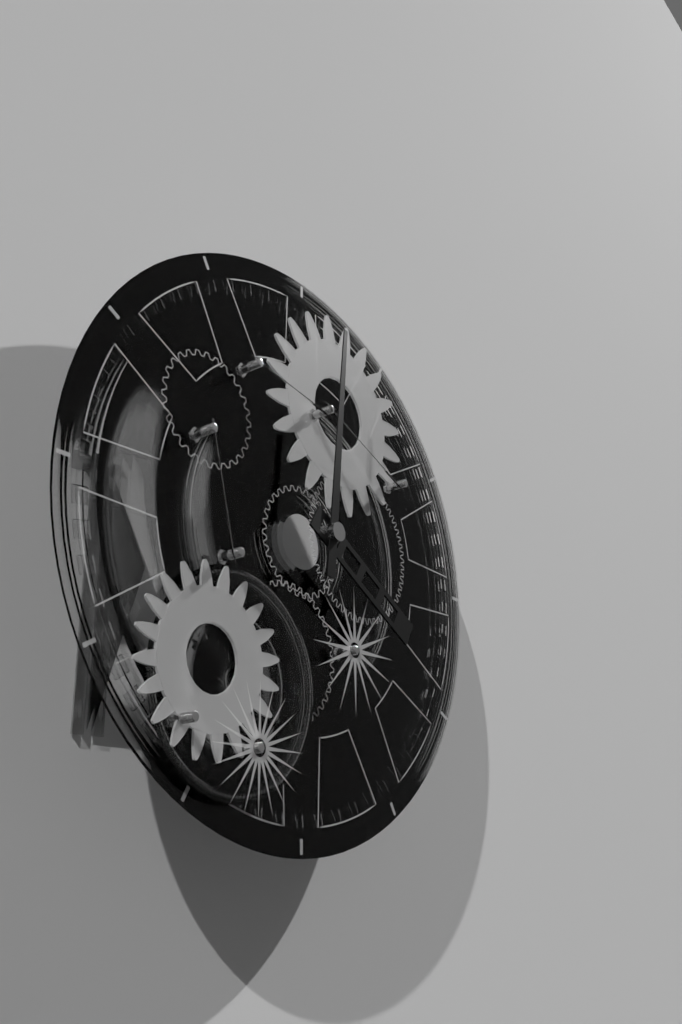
4:01
